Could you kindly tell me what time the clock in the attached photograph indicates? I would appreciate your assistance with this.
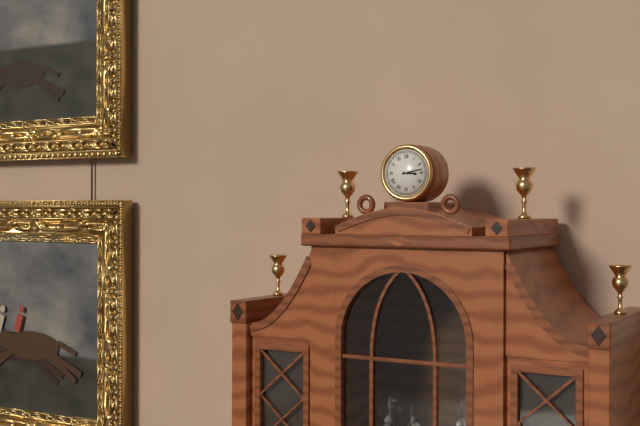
3:13
